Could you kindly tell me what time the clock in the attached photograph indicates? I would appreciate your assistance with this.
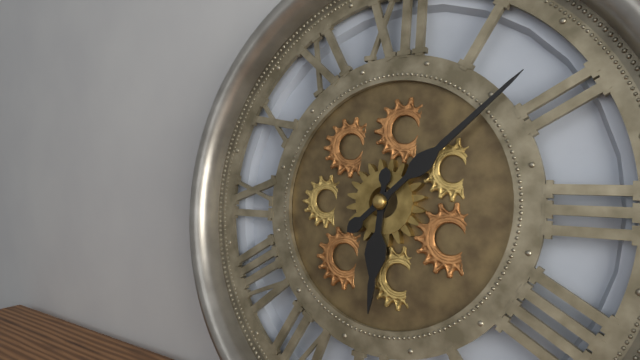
6:08
